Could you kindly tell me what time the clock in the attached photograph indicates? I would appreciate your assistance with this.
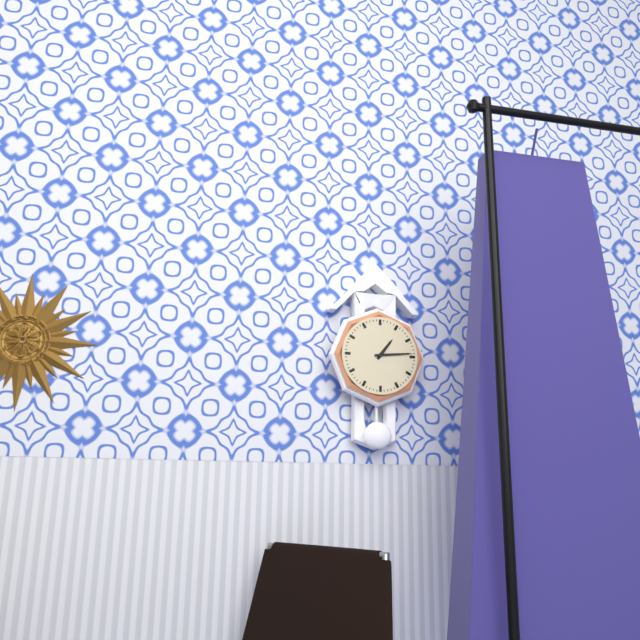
1:14
